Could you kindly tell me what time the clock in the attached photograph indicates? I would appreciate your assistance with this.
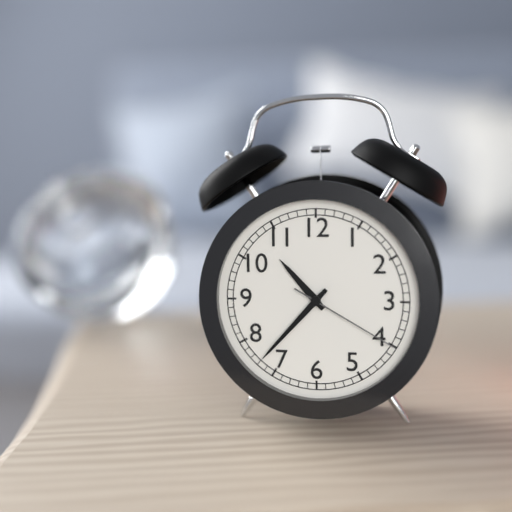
10:37:20
